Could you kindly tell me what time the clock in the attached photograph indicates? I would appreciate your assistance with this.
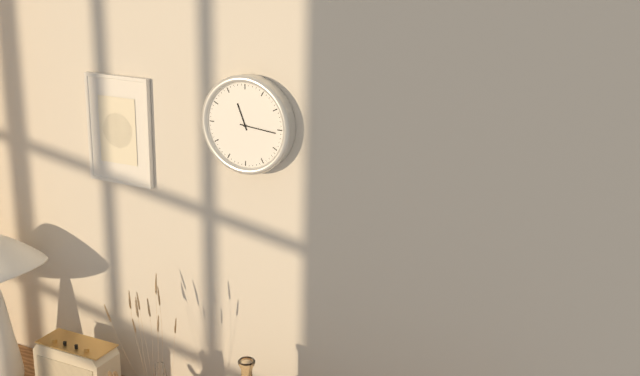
11:16
